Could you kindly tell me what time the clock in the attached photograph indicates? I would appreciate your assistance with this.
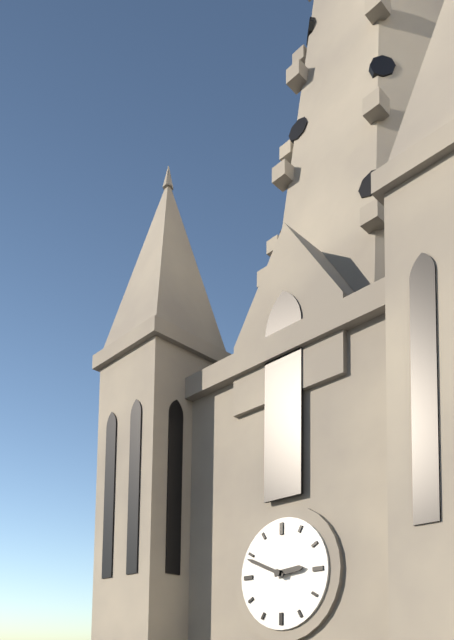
2:49
